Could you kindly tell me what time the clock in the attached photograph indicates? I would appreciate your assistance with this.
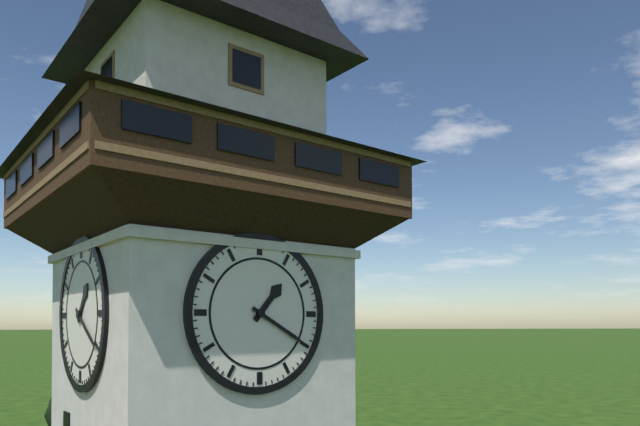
1:20
